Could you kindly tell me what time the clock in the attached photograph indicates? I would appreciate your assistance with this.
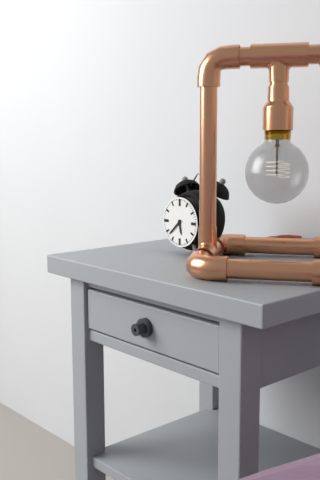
5:38
